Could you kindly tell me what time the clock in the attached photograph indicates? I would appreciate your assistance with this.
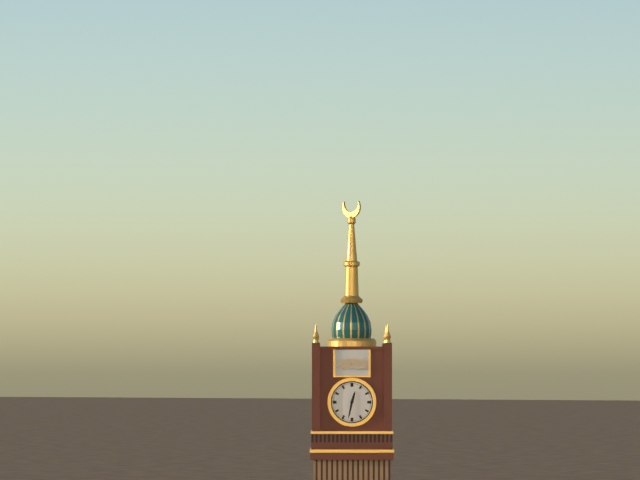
12:32
